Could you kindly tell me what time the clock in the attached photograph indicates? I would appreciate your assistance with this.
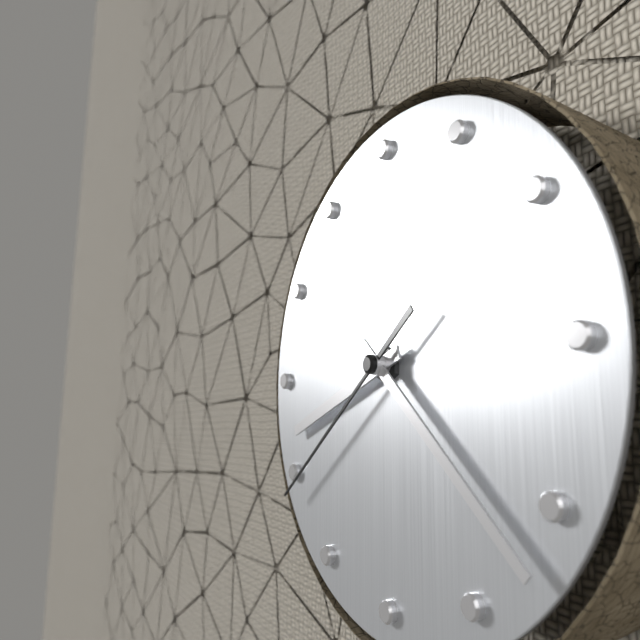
8:22:39
